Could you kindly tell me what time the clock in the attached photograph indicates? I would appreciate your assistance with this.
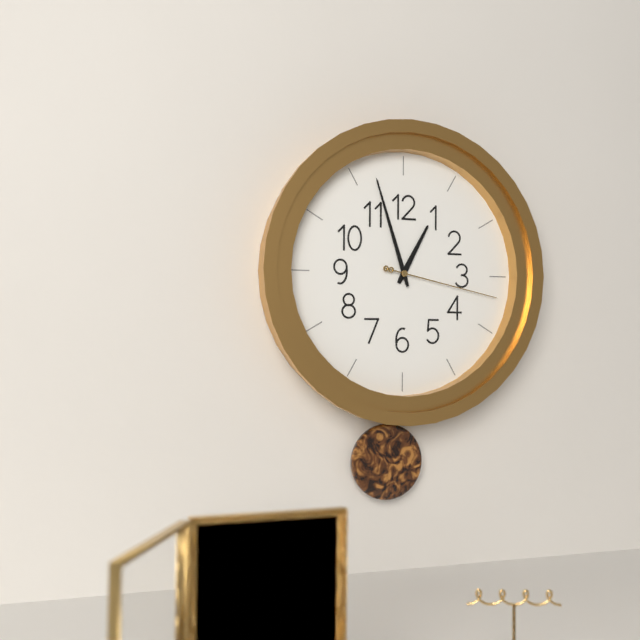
12:57:17
